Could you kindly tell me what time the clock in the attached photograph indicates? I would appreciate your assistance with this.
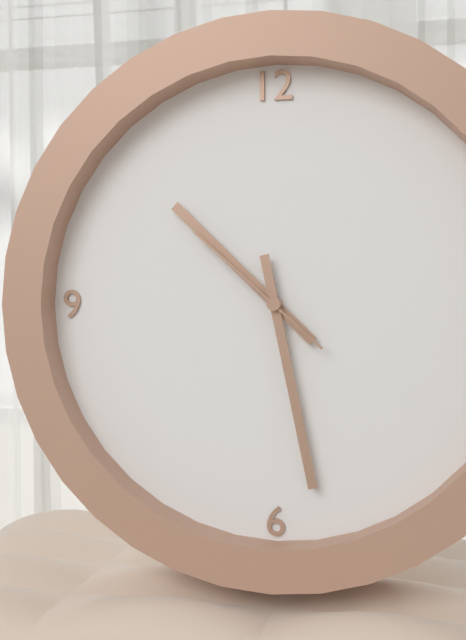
10:28:52
